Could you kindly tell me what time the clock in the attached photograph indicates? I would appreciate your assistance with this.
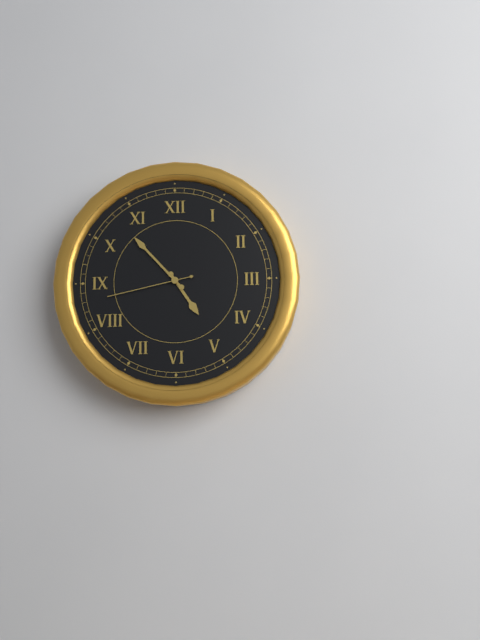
4:53:43
